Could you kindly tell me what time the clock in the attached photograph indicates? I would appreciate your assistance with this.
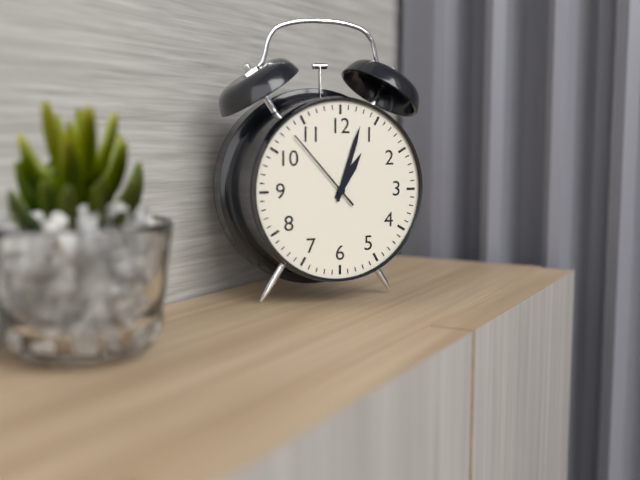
1:03:53
